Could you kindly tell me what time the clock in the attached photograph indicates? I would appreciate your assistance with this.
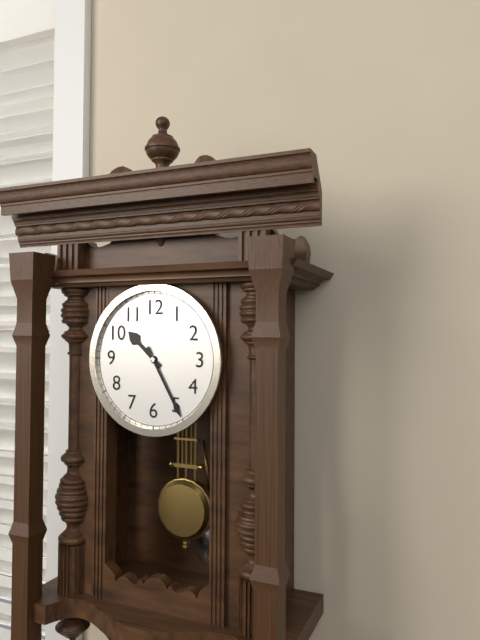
10:25
